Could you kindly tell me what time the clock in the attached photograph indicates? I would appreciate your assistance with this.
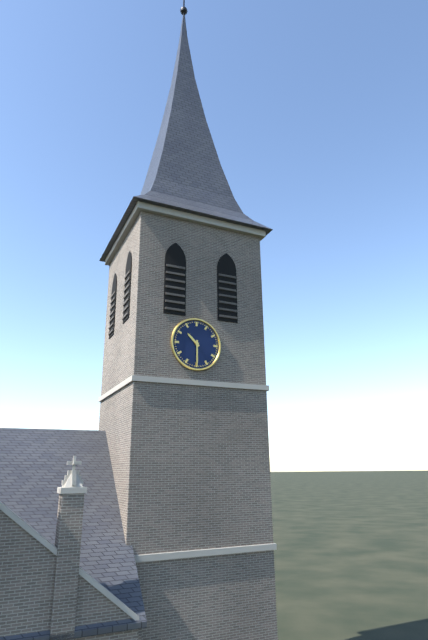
10:30
